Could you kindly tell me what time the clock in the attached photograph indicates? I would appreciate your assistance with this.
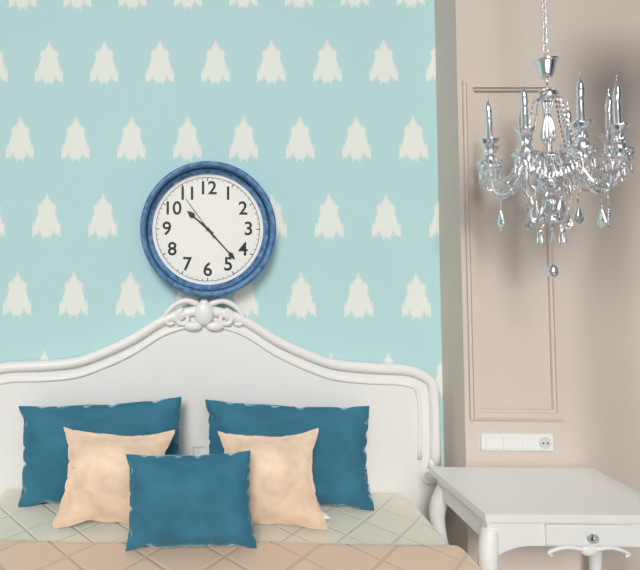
10:23
